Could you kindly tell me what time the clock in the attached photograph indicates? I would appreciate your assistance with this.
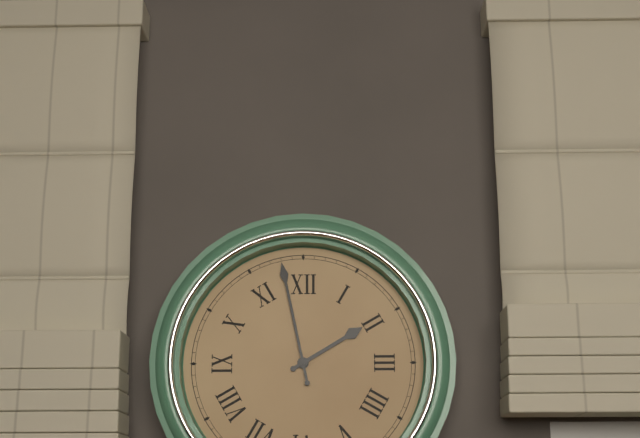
1:58
